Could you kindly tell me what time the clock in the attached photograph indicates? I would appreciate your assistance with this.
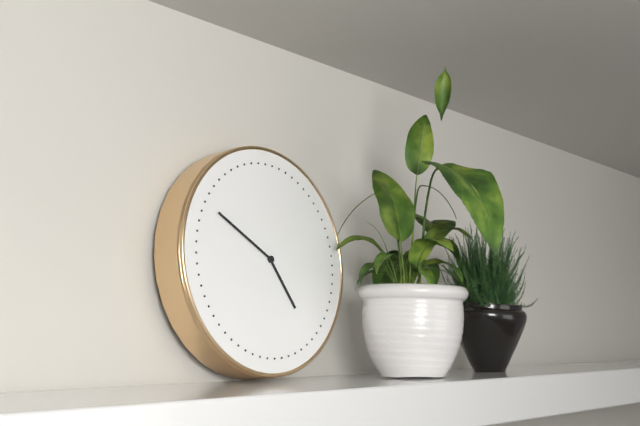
4:50
